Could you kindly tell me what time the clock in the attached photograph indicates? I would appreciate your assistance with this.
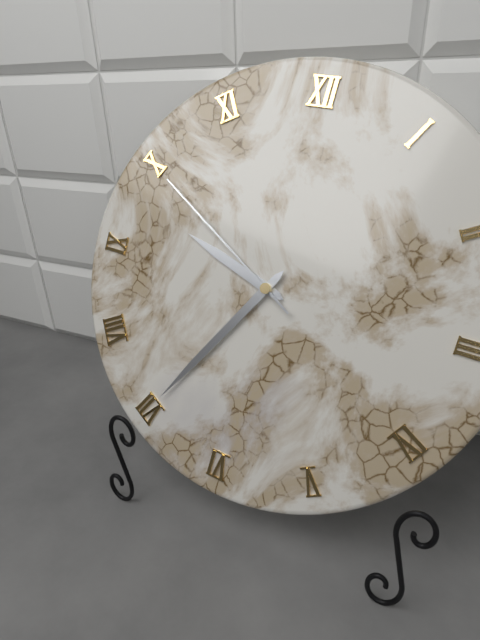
9:35:50
